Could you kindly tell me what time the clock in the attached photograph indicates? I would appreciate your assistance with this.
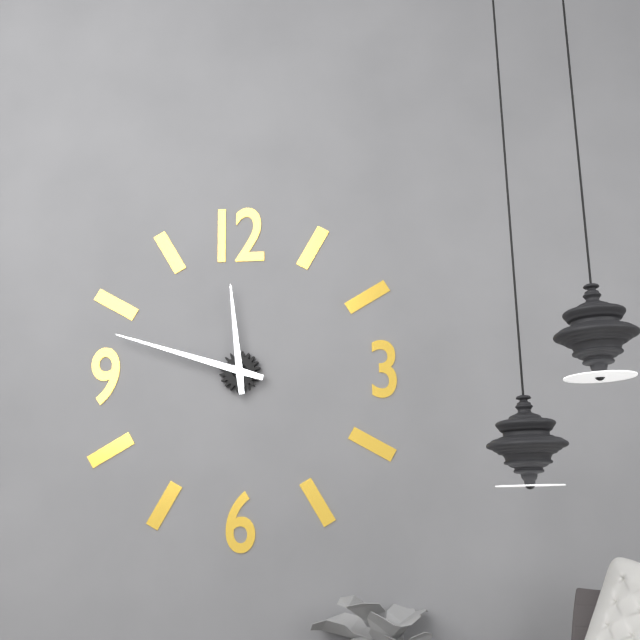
11:48
